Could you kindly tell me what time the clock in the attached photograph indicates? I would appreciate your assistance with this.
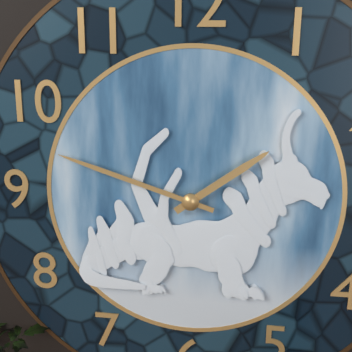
1:48
